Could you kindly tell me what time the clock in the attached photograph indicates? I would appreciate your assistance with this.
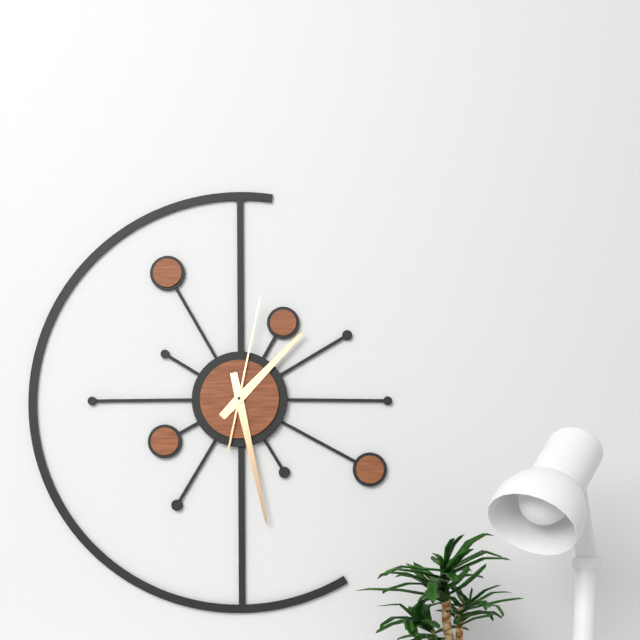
1:28:02
